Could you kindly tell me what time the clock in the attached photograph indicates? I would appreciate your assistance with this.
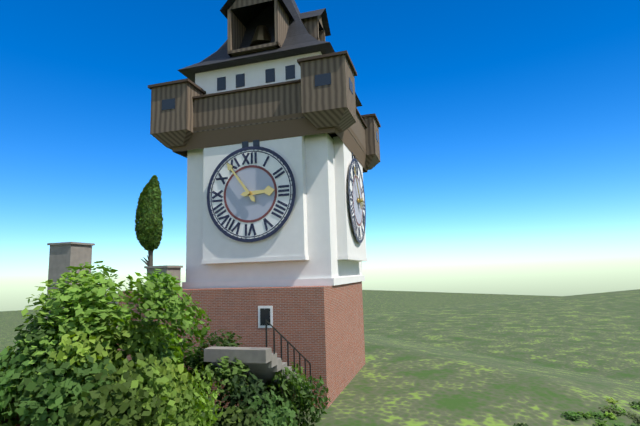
2:54
